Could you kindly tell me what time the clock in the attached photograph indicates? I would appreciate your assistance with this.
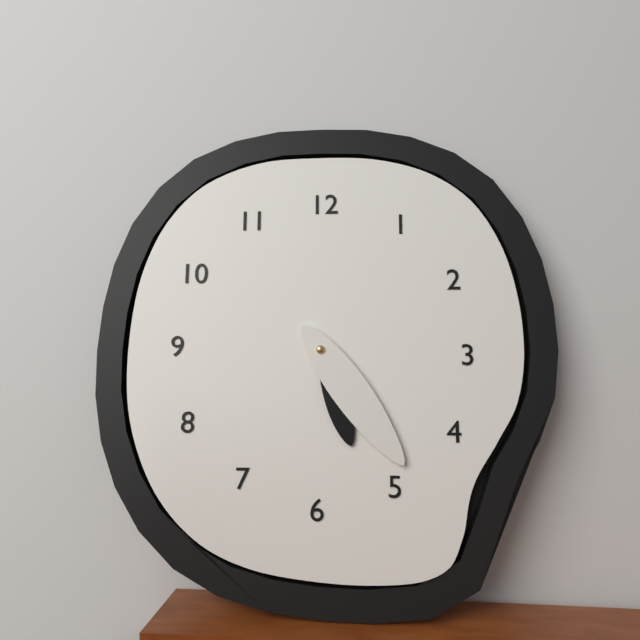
5:24
